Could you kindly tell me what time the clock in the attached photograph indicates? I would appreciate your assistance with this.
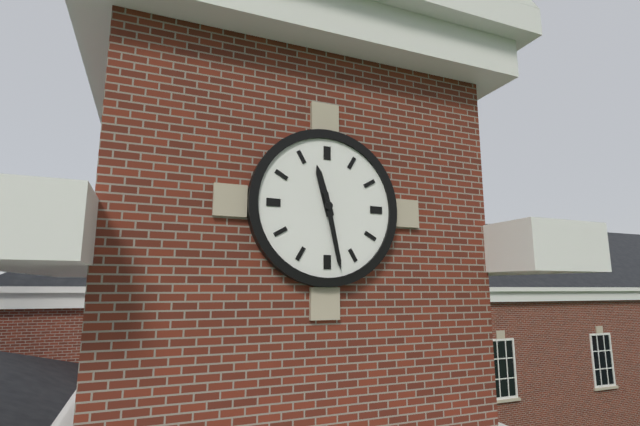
11:28
